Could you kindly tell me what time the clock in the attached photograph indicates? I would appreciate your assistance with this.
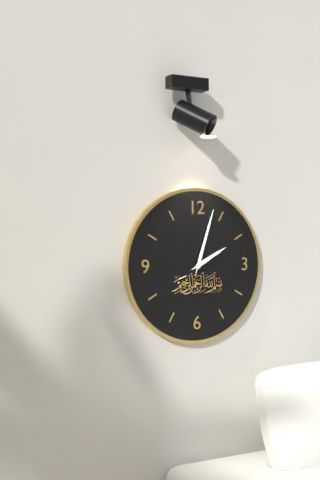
2:03
